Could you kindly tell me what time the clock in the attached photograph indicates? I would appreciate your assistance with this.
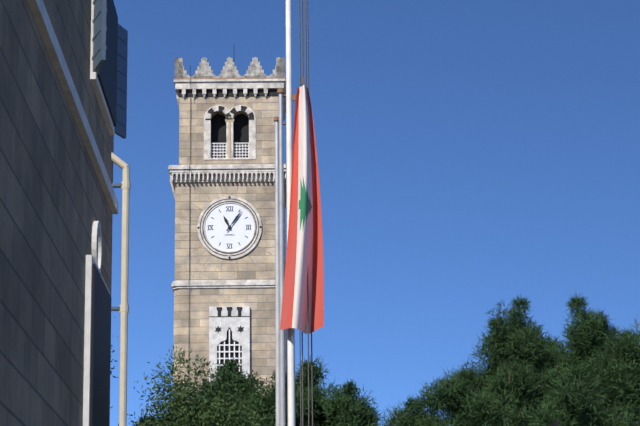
11:06
